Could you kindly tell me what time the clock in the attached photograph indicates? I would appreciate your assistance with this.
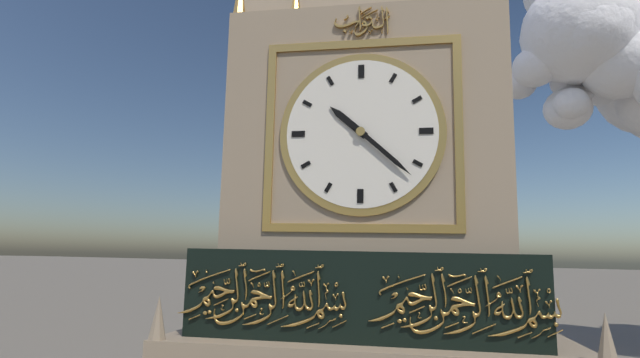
10:22
